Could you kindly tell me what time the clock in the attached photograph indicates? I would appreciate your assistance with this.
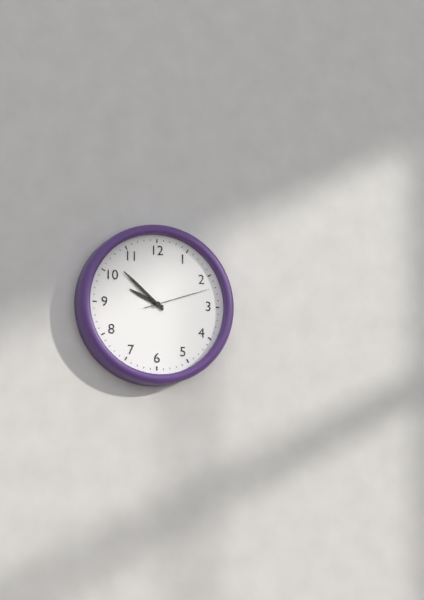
9:52:12
